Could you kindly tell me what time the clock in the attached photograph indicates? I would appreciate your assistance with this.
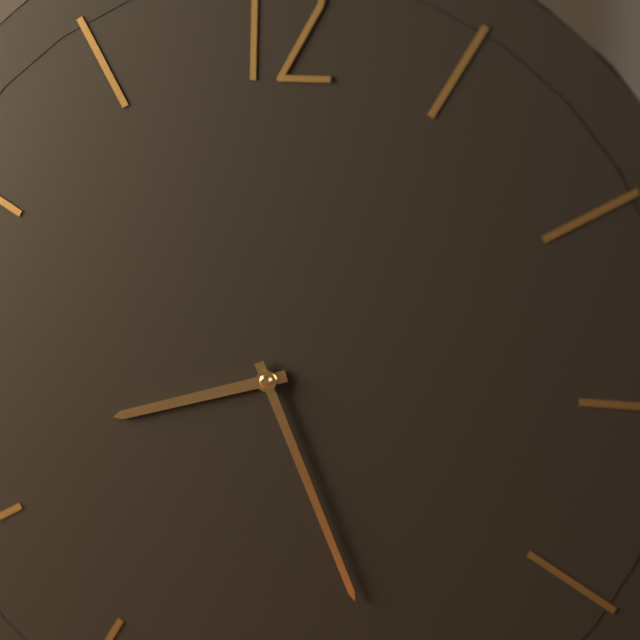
8:26
